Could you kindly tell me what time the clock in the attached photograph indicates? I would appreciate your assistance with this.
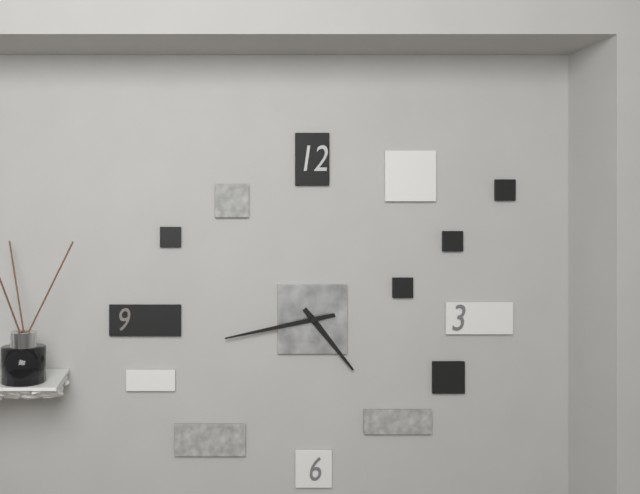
4:43
